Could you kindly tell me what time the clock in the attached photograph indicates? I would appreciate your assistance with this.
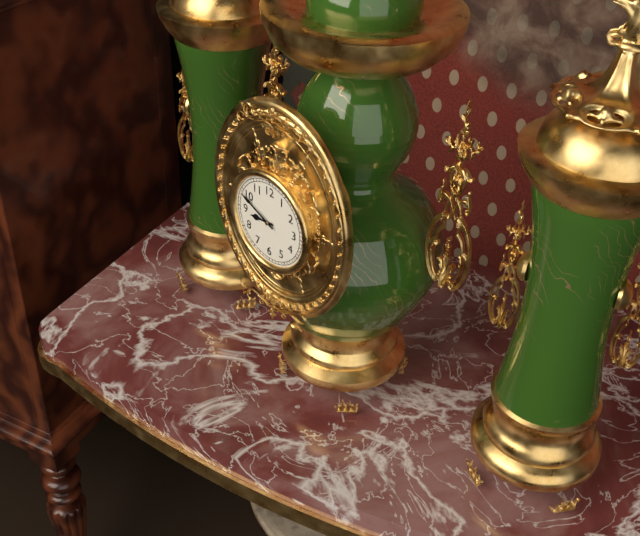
8:49
